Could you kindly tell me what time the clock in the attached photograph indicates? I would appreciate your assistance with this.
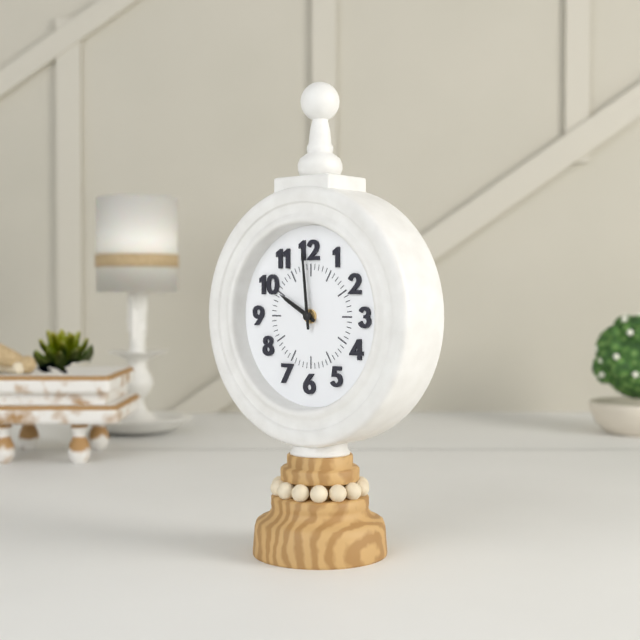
9:59
